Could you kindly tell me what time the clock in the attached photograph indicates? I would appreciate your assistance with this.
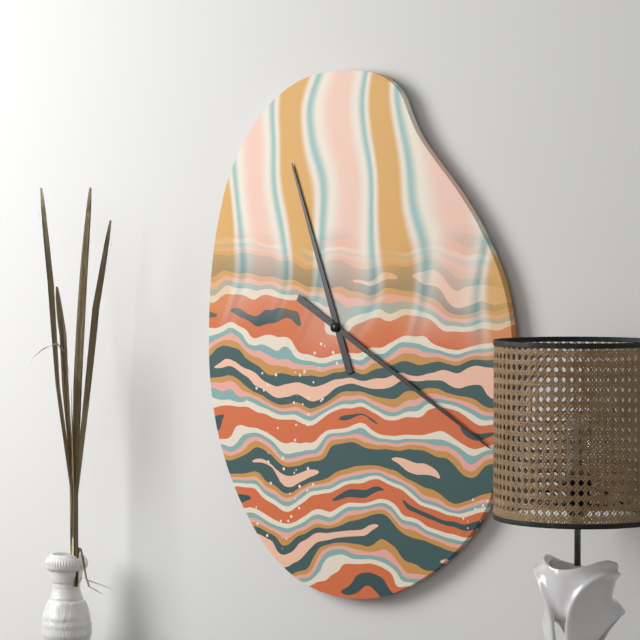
11:20
